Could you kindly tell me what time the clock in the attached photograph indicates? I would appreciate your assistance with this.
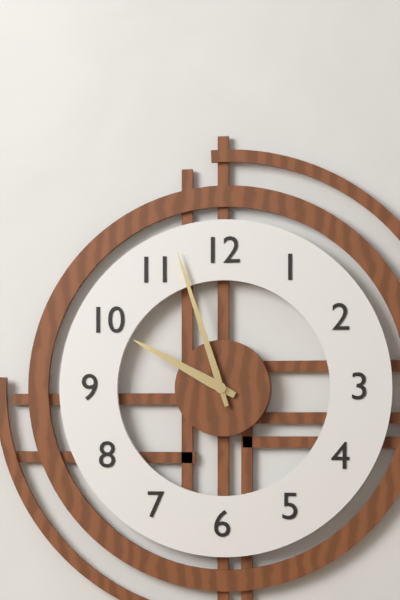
9:57
